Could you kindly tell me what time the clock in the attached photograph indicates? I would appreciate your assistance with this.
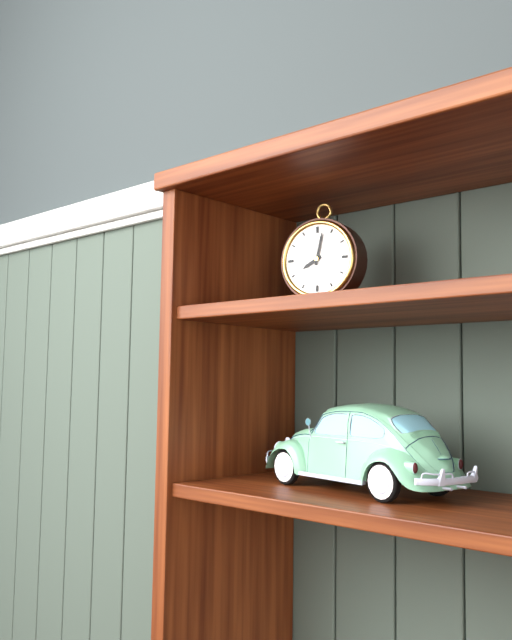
8:02
